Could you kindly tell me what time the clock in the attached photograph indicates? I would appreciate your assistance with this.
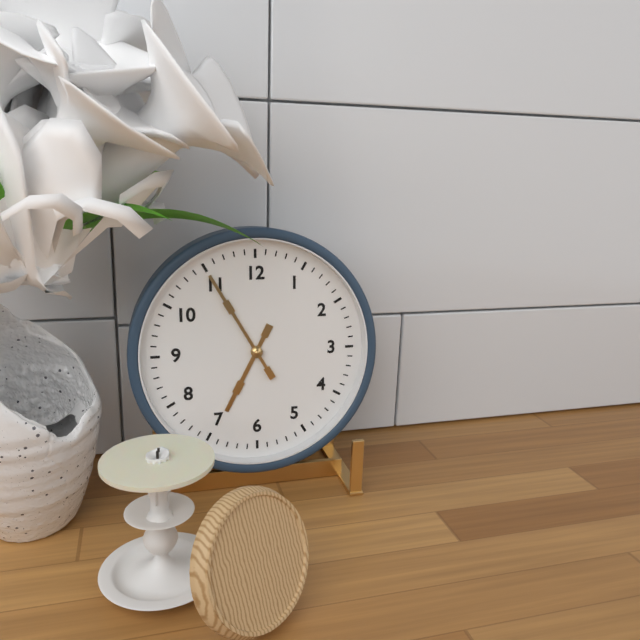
6:55
